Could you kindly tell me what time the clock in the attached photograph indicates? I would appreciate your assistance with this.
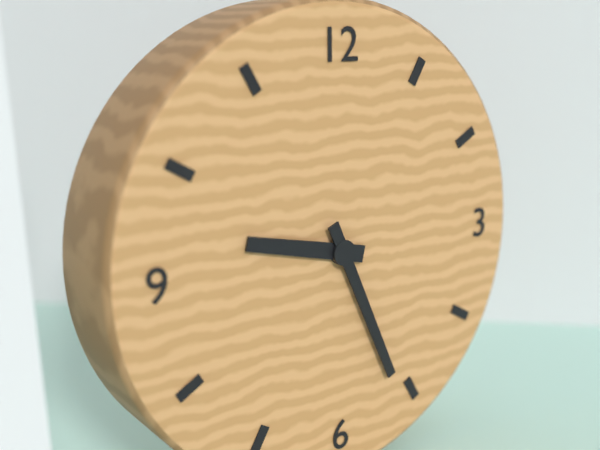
9:26
